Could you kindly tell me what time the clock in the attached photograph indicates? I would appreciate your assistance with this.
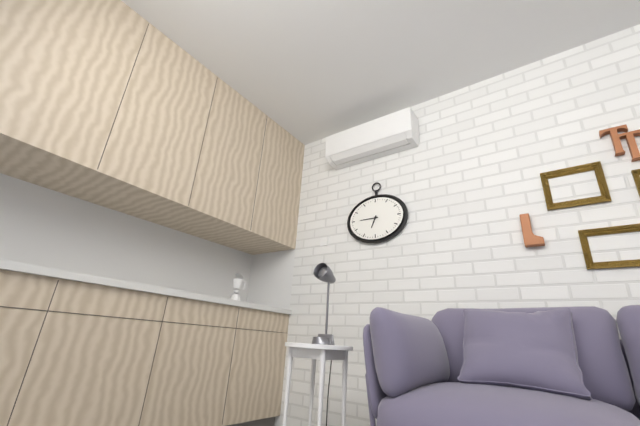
6:45
